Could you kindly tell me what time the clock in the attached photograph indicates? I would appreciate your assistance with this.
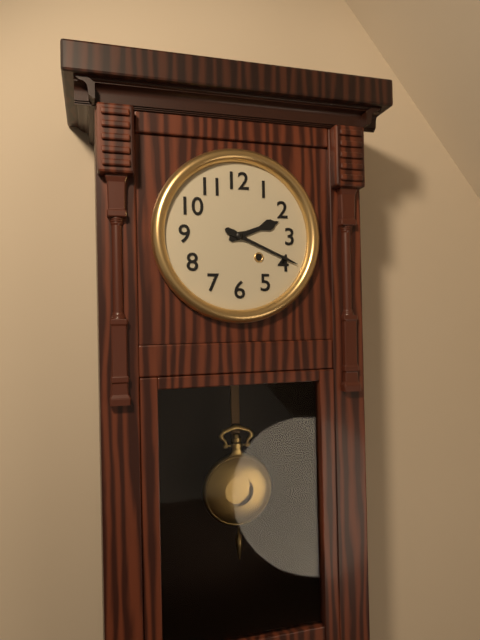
2:19
